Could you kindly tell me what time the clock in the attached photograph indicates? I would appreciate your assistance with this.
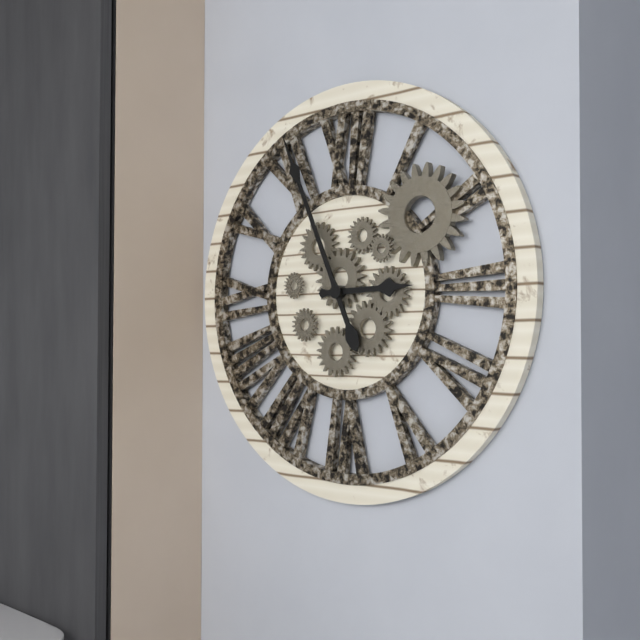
2:56
